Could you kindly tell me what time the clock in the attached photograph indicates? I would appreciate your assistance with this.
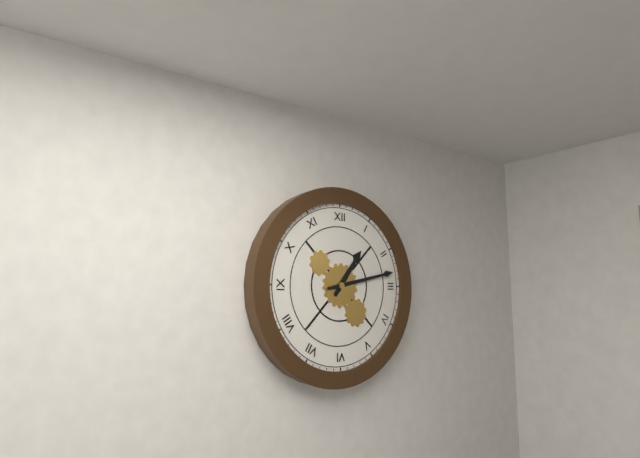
1:13
